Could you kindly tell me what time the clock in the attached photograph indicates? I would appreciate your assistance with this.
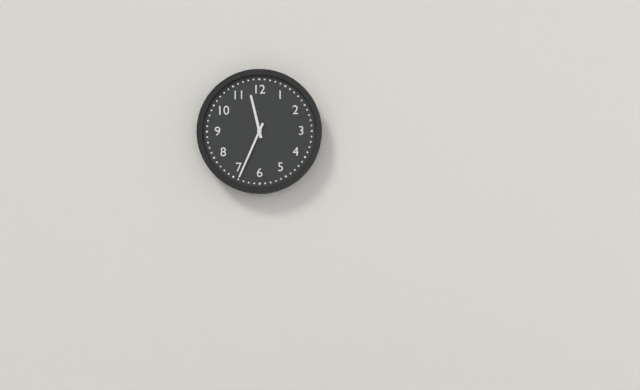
11:34
